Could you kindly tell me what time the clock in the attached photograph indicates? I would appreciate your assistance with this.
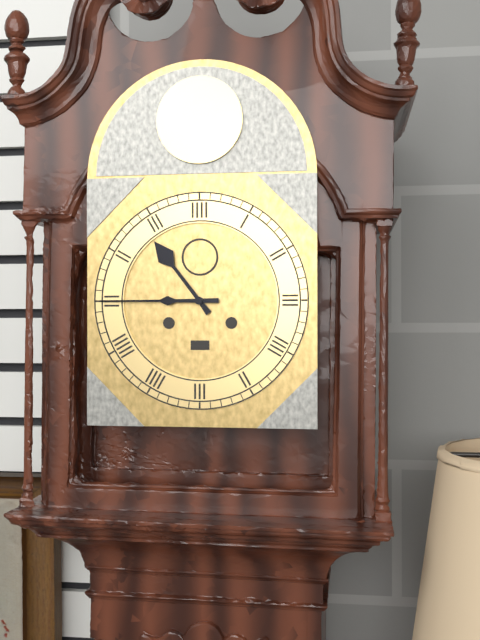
10:45
